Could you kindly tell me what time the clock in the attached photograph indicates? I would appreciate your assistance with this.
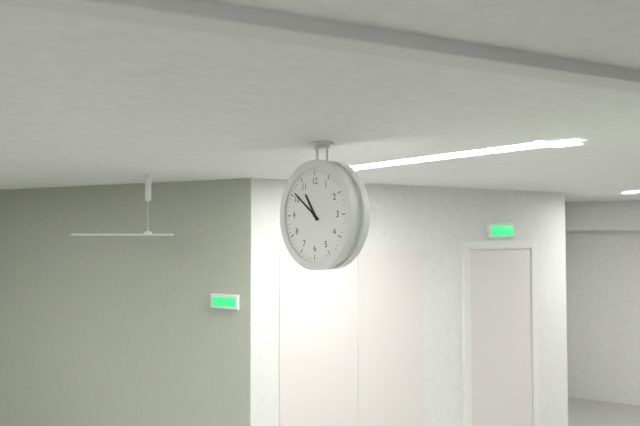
10:51
